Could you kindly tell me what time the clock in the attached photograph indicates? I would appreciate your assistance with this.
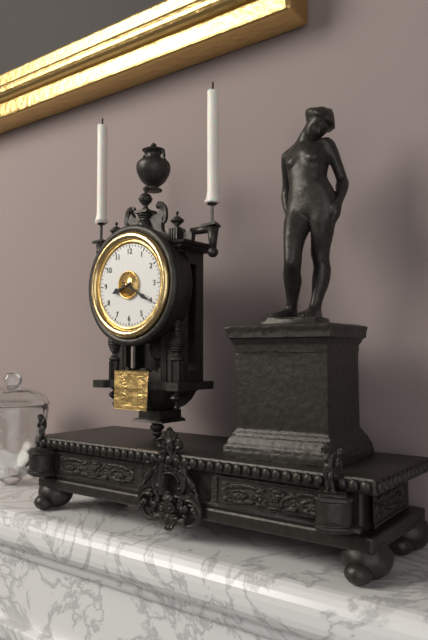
8:20
